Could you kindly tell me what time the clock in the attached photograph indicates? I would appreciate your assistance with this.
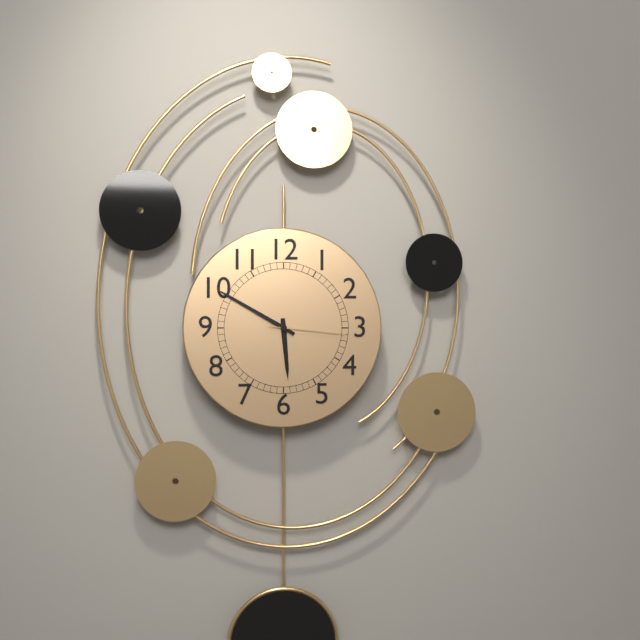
5:50:16
